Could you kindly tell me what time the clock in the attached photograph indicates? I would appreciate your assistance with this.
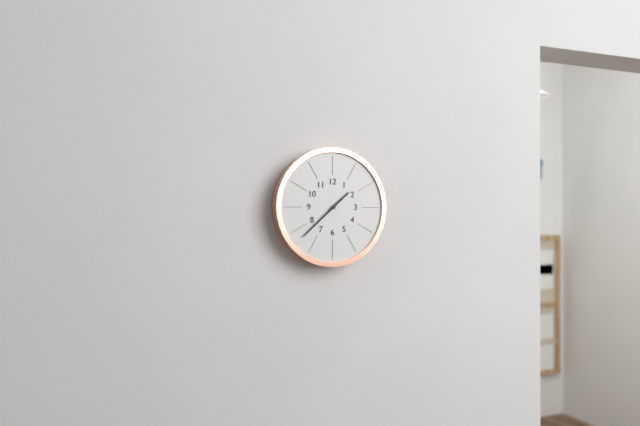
1:38
